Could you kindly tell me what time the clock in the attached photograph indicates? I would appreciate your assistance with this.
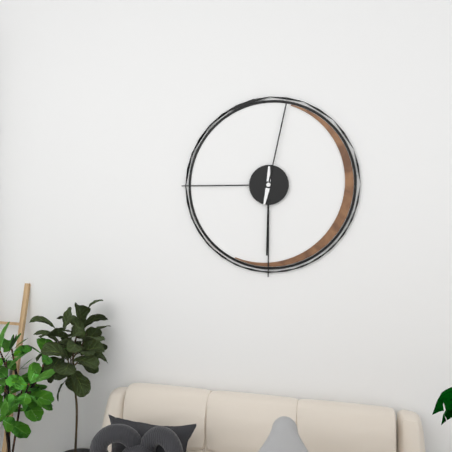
6:02
